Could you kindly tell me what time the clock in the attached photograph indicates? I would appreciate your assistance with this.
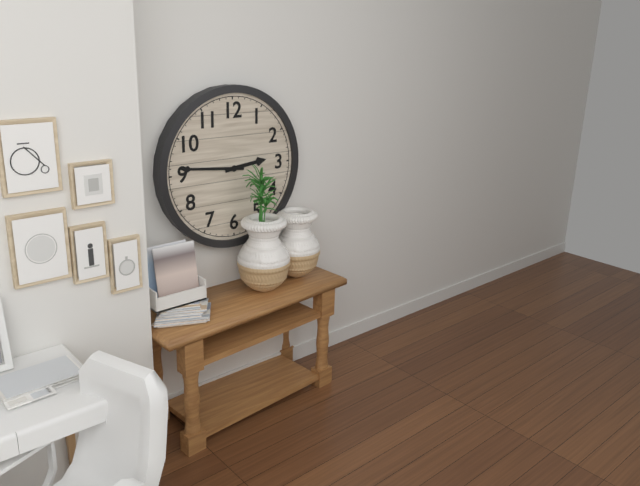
2:46
